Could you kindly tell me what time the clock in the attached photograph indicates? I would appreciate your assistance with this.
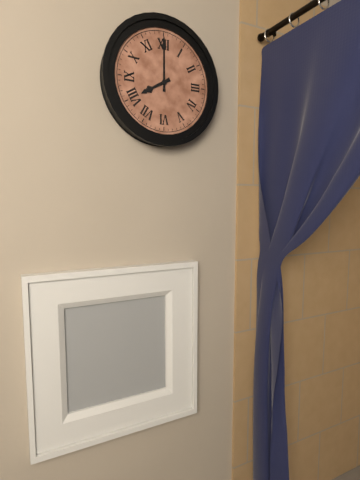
8:00
